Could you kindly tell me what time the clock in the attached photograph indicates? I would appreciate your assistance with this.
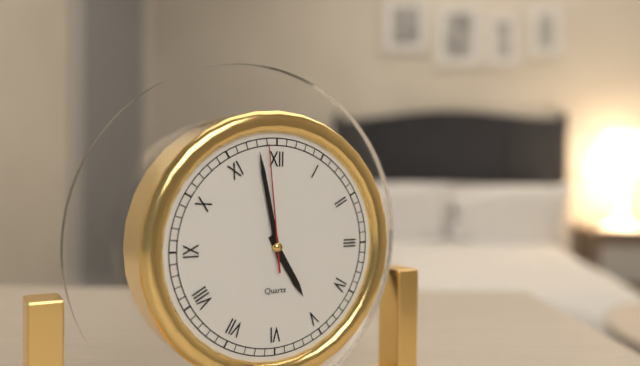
4:58:59
